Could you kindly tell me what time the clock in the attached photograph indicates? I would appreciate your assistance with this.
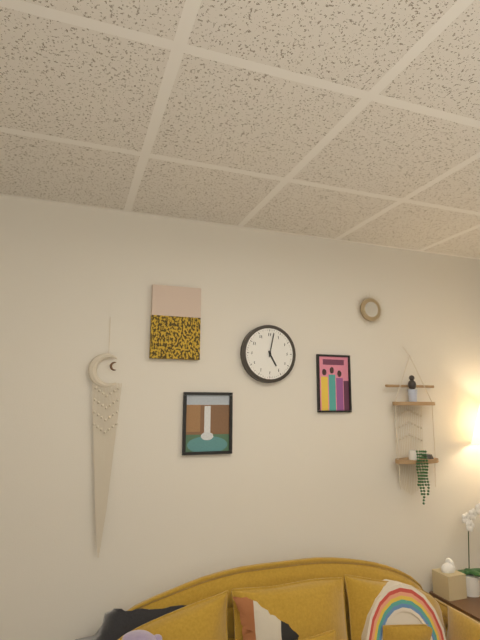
5:02
